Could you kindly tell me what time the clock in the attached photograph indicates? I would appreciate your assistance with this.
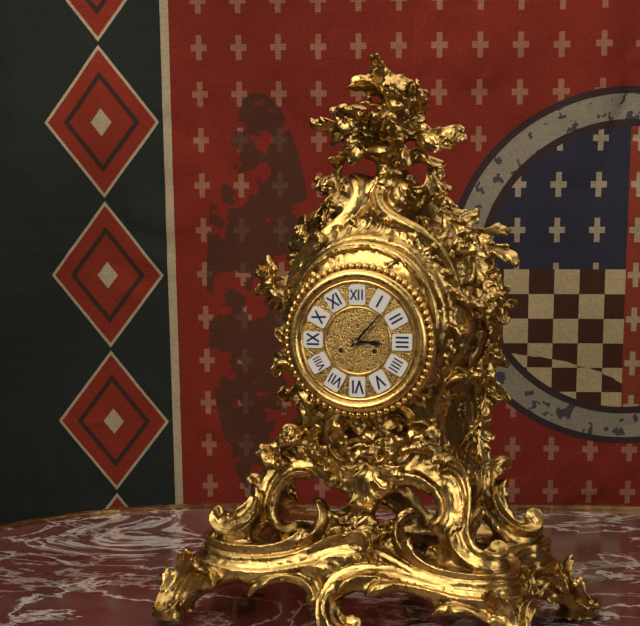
3:07
